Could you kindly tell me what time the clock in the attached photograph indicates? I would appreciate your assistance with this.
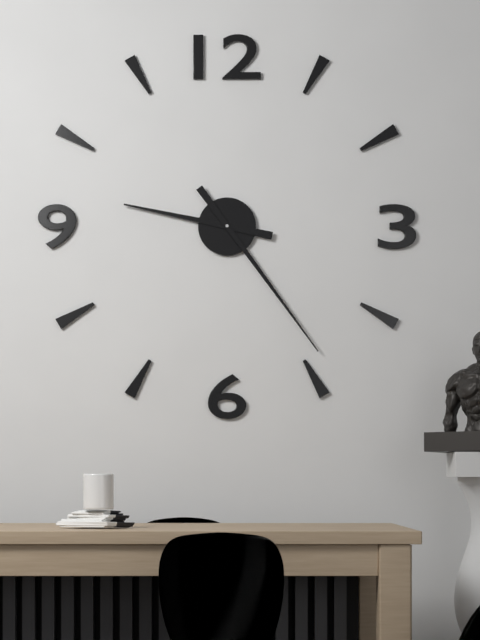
9:24
